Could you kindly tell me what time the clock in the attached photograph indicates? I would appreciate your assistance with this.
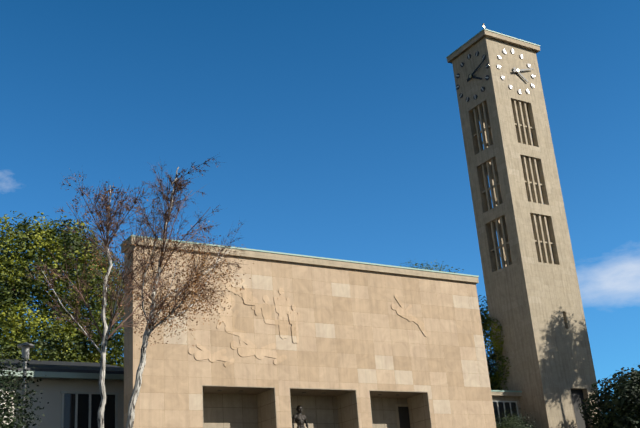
4:12
